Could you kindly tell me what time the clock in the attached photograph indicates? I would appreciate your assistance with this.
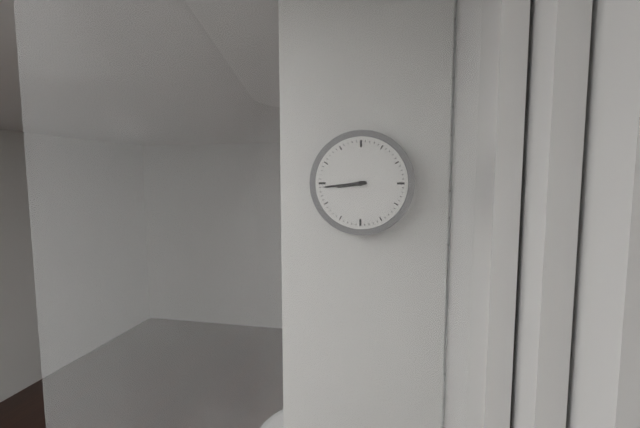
8:44
